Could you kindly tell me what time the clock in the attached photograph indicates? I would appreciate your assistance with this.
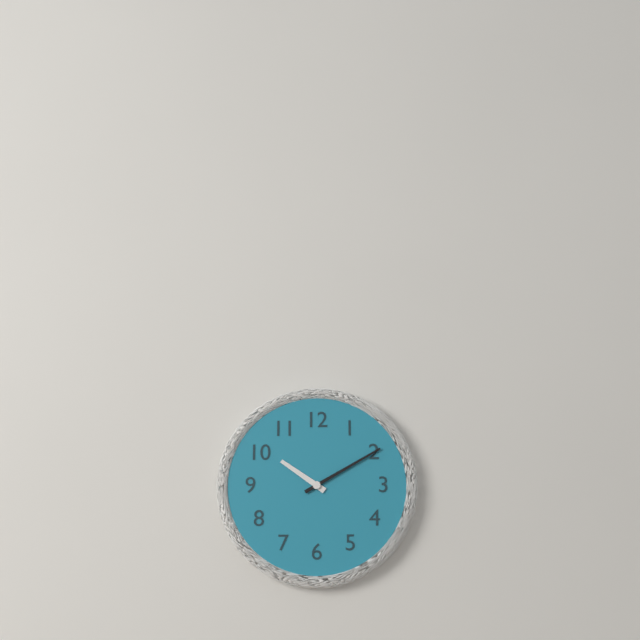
10:10
